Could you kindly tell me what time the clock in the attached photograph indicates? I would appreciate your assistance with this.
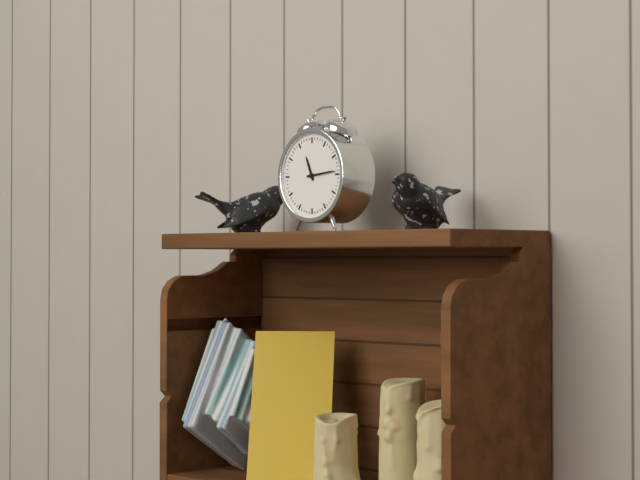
11:14
